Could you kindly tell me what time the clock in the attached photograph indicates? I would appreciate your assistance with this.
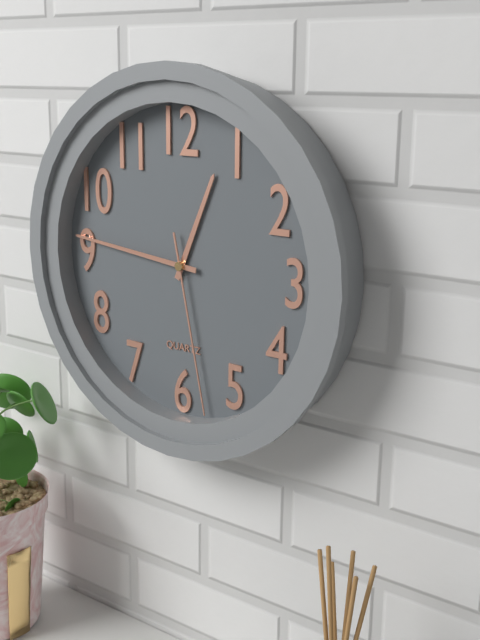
12:46:28
